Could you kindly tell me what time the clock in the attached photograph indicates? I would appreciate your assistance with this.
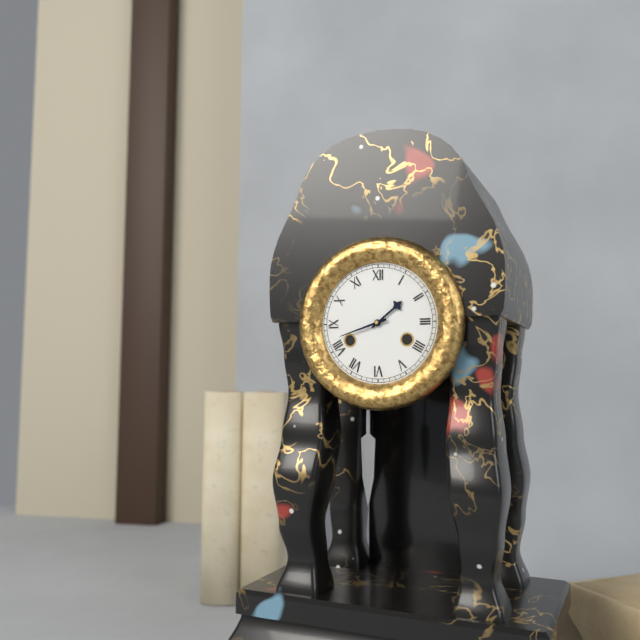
1:42
